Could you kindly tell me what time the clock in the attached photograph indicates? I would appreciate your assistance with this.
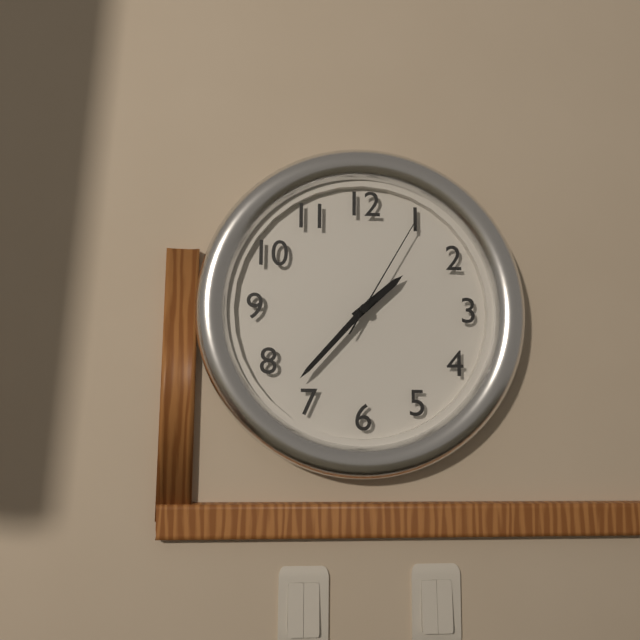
1:37:05
